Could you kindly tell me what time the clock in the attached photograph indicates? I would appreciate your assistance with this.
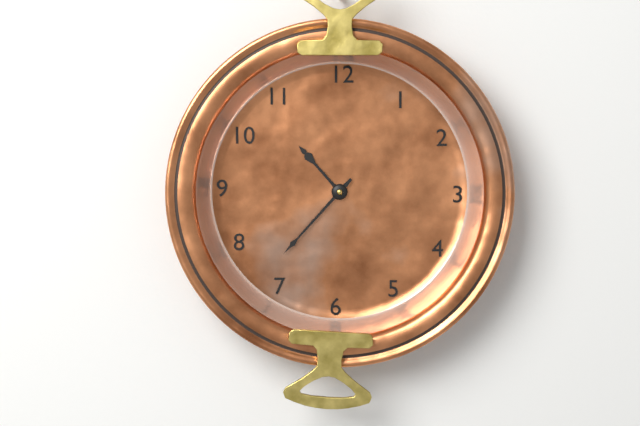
10:37
